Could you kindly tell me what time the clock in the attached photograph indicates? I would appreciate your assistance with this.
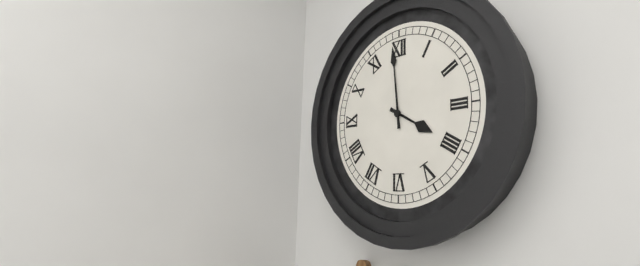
3:59
